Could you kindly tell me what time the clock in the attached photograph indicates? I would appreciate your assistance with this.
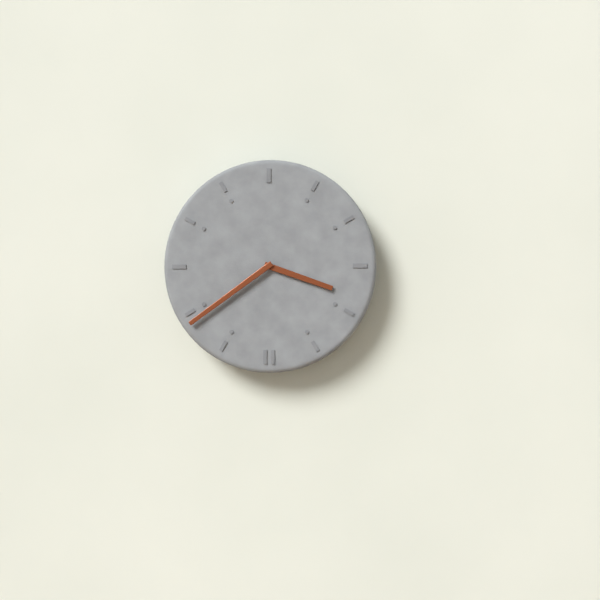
3:39
